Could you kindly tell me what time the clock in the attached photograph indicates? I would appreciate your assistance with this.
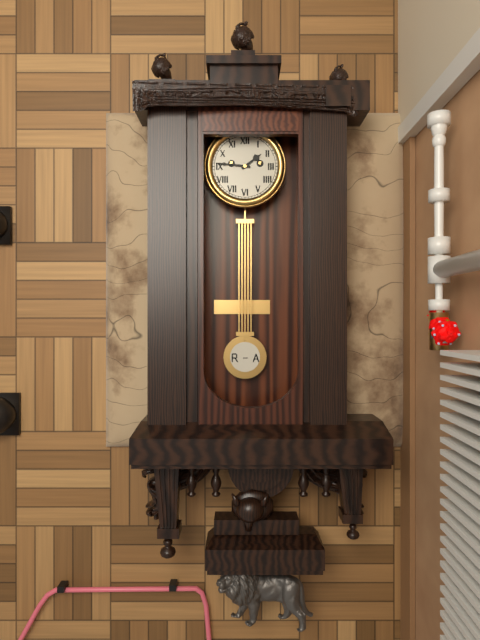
1:46
